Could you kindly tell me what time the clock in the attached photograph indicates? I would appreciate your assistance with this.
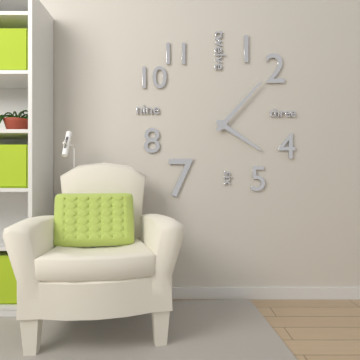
4:07
